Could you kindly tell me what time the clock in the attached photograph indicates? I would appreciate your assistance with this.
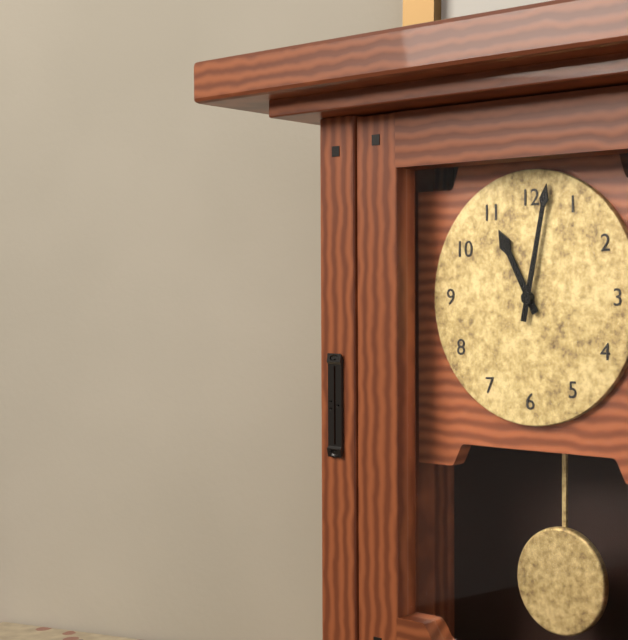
11:02
